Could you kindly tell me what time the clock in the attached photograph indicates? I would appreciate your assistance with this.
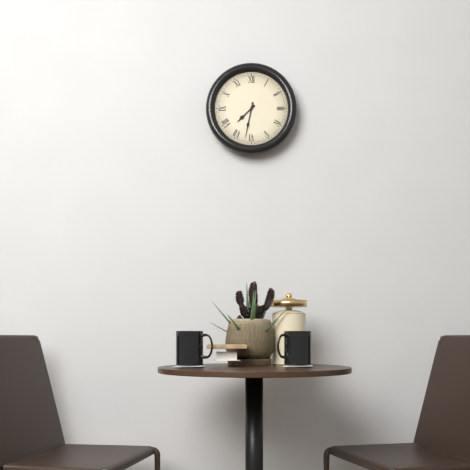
7:32
